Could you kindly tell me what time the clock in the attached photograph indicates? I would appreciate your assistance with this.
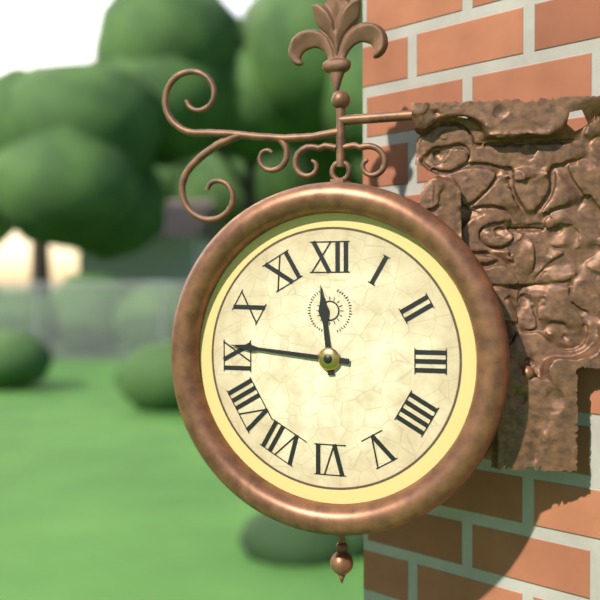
11:46
